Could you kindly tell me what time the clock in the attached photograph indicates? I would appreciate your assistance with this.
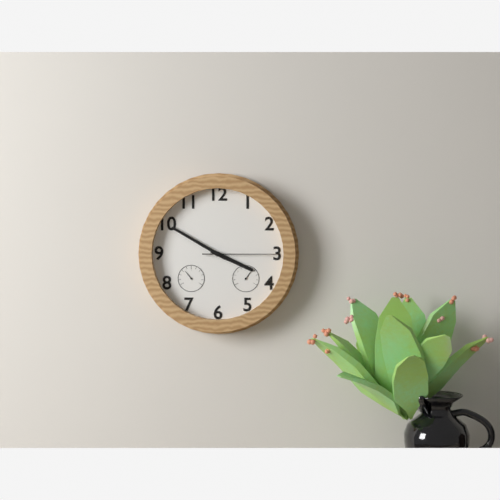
3:50:15
